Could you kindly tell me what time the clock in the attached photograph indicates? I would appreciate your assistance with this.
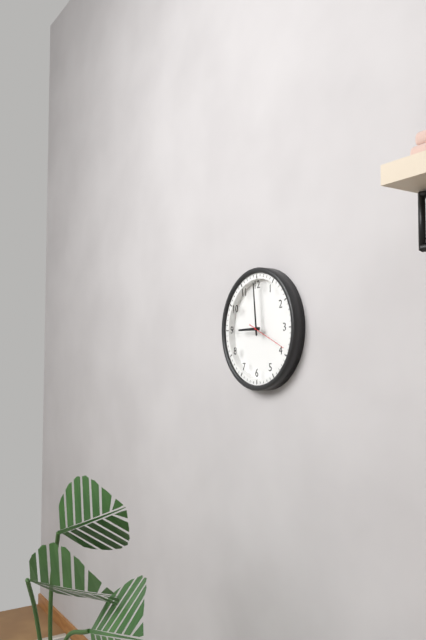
8:59
